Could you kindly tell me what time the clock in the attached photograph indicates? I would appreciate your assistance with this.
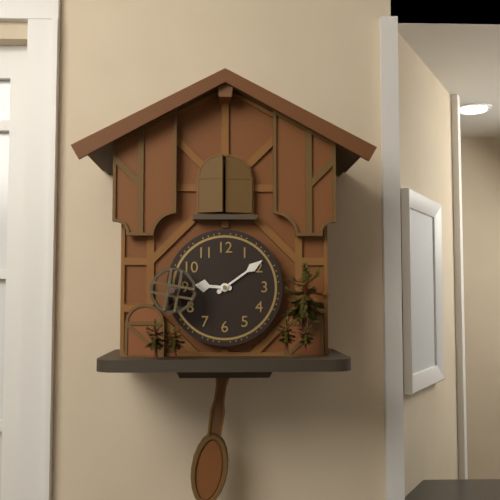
9:09
